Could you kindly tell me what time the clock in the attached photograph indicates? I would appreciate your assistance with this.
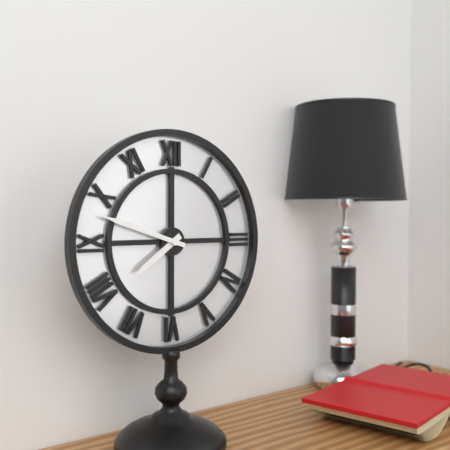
7:48
